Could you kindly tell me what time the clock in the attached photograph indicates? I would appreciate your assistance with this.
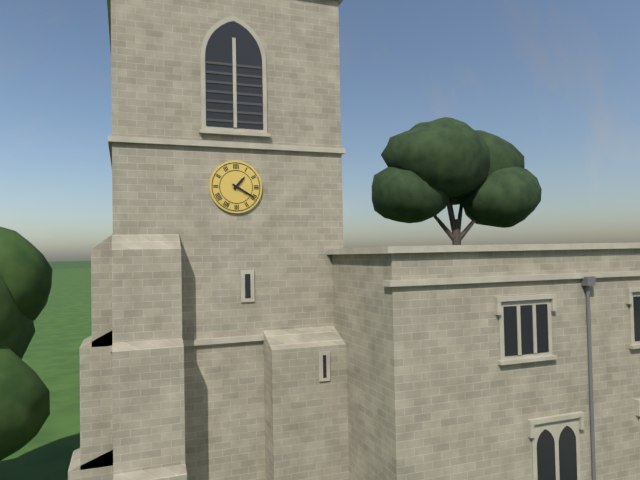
1:20
